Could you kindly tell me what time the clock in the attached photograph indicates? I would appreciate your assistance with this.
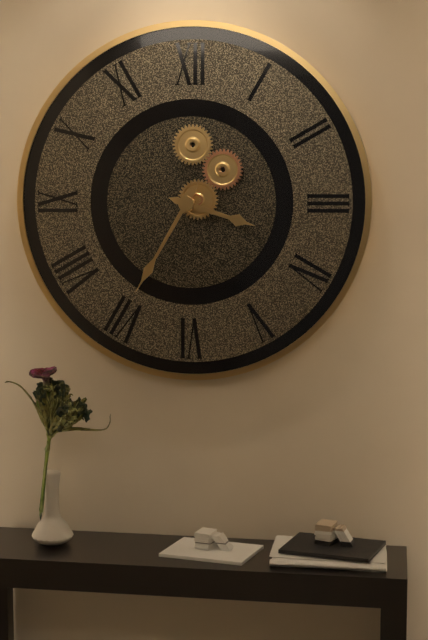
3:35
